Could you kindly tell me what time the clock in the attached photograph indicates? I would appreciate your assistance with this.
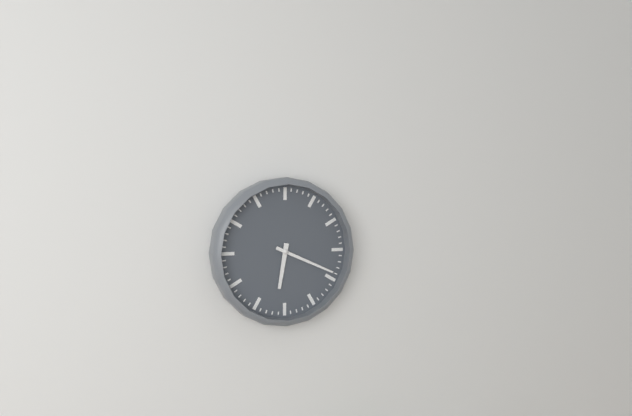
6:19
